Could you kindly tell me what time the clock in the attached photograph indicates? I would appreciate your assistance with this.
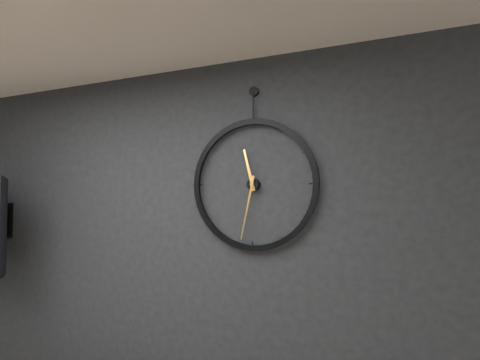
11:32
